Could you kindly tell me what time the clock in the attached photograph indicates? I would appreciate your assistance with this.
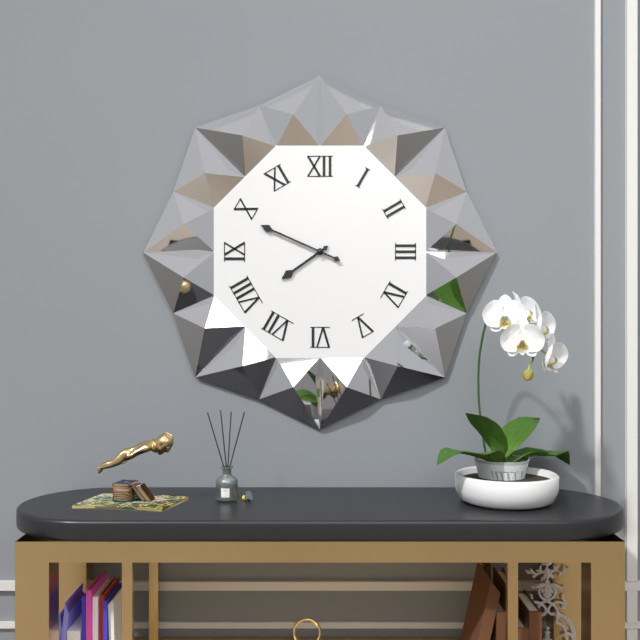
7:49
